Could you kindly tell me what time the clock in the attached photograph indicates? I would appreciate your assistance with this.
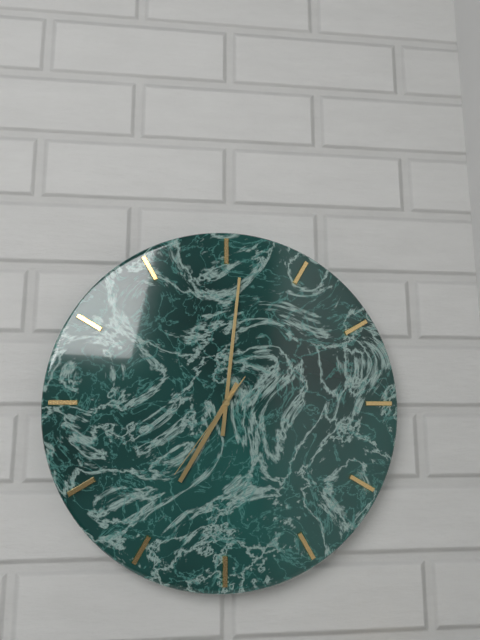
7:01:36
